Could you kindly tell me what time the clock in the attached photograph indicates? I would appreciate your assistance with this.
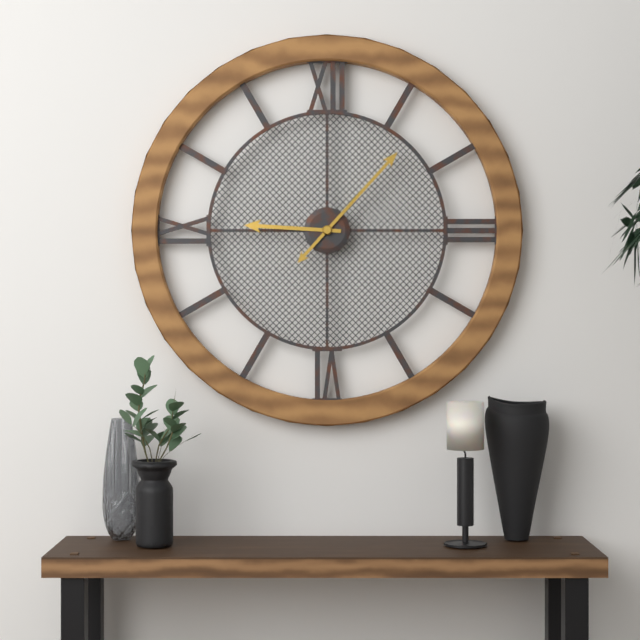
9:07
